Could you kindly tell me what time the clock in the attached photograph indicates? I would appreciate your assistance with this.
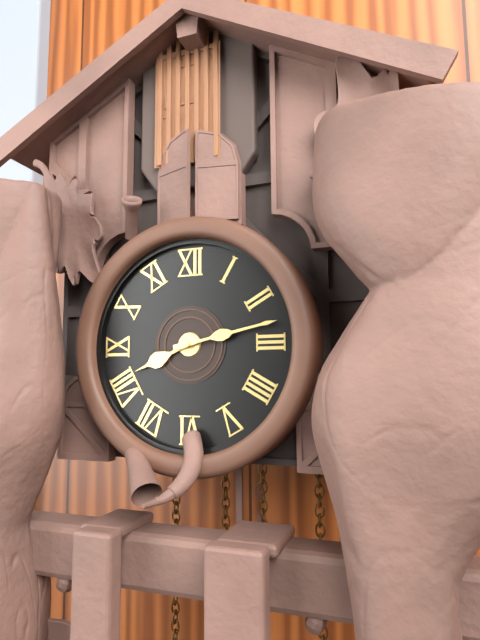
8:13
